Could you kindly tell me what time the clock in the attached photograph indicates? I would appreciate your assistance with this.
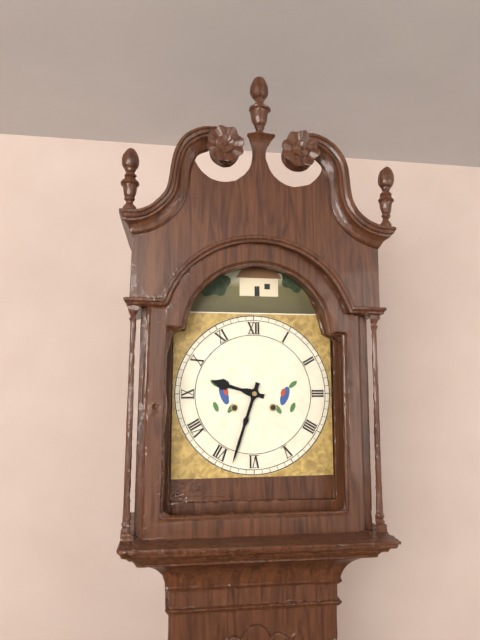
9:33
